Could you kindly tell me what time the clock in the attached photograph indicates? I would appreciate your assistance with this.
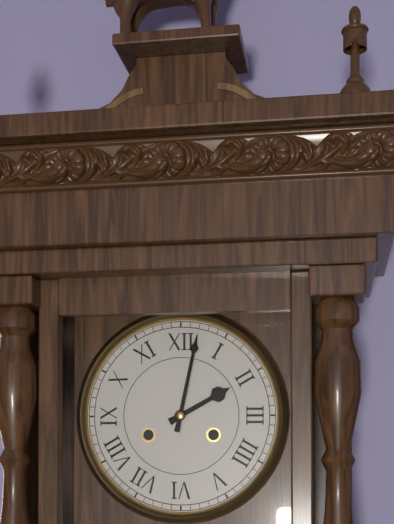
2:02
